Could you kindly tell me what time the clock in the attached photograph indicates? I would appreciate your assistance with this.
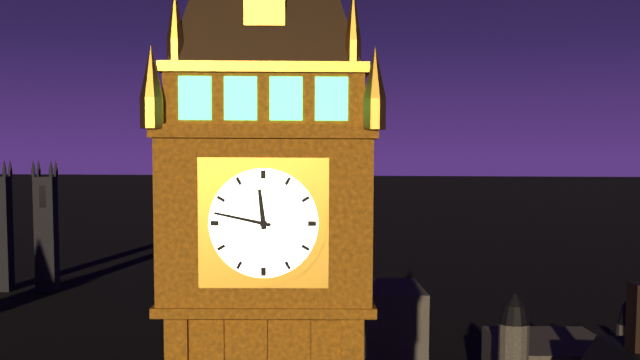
11:47
